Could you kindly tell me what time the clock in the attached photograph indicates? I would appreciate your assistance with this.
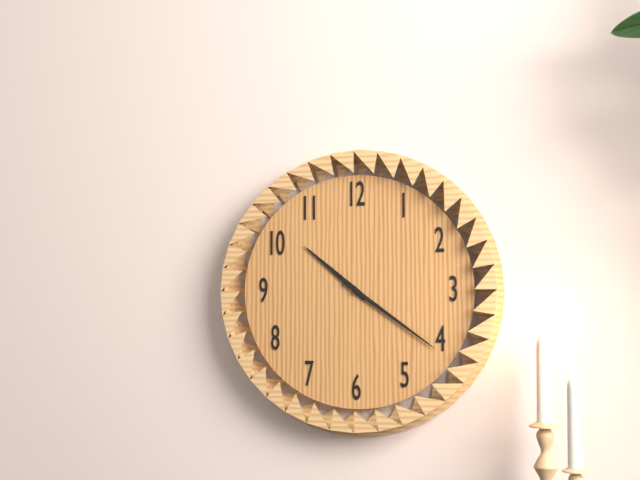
10:21
